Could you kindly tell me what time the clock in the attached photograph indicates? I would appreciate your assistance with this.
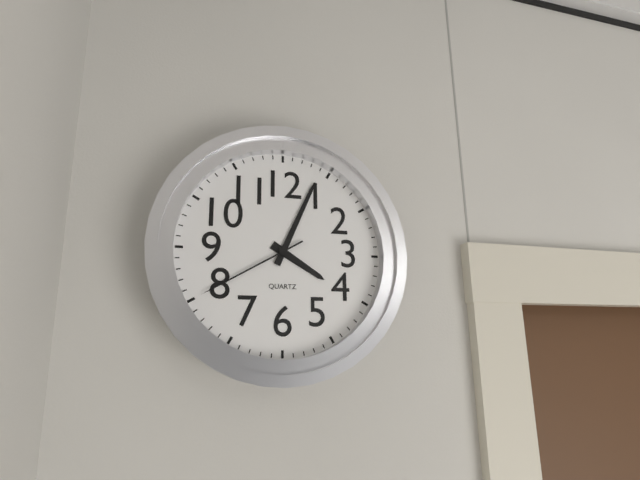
4:04:40
